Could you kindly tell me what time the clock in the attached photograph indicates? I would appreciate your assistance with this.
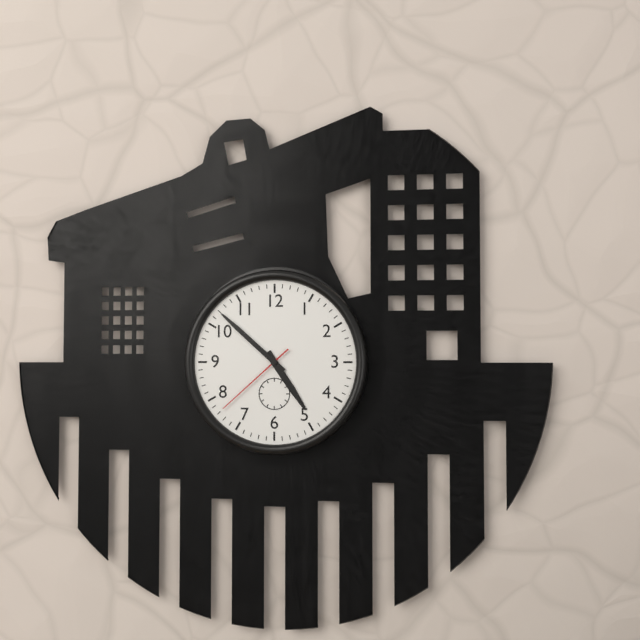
4:52:38
